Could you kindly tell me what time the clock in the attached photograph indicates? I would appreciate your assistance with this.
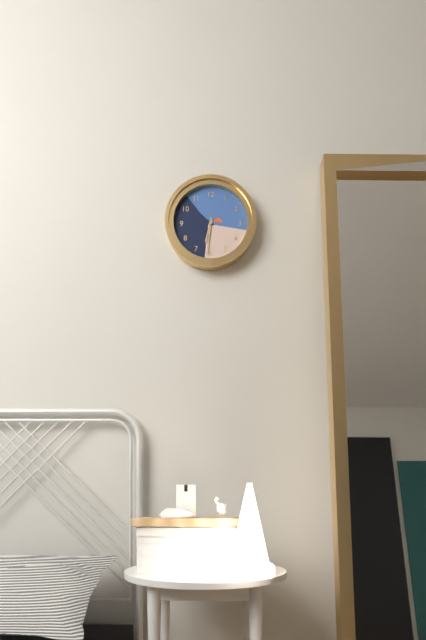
6:31
